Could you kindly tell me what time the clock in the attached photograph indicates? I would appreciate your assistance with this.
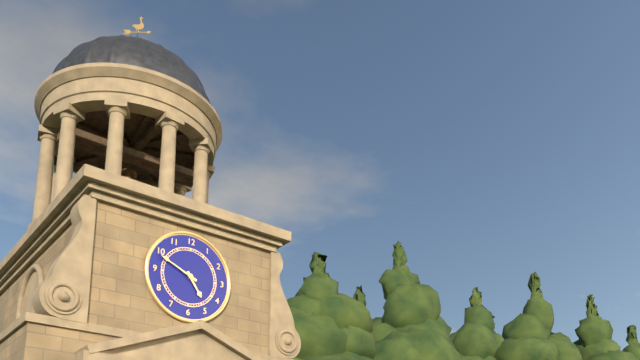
4:49
